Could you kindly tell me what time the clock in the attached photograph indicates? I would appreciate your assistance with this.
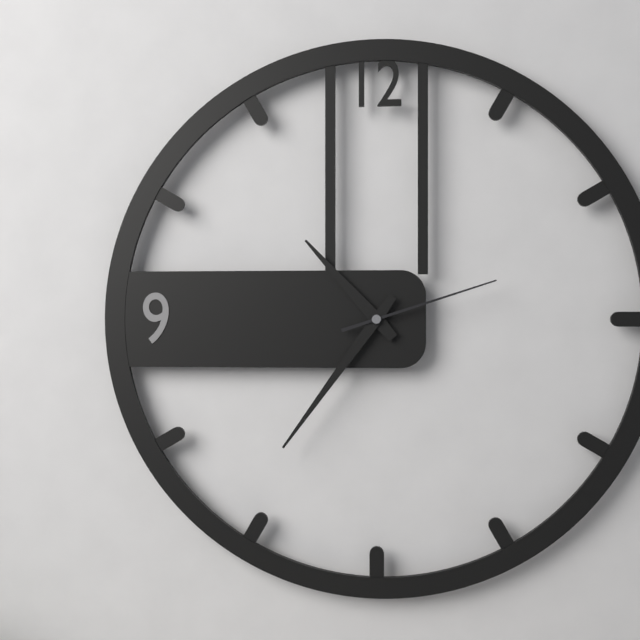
10:36:12
